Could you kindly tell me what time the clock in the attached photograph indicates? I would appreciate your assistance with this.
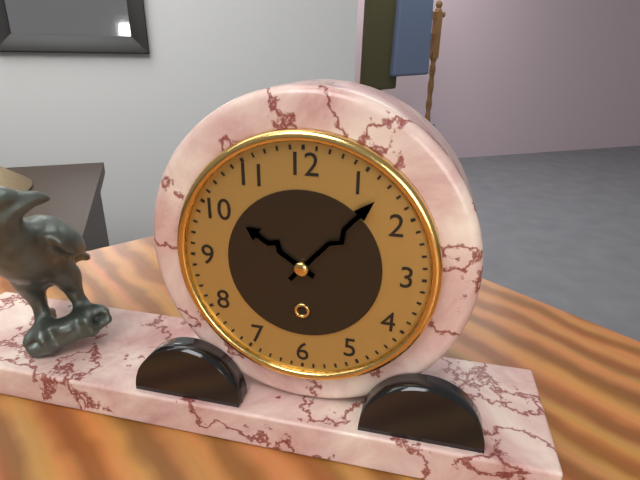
10:07
